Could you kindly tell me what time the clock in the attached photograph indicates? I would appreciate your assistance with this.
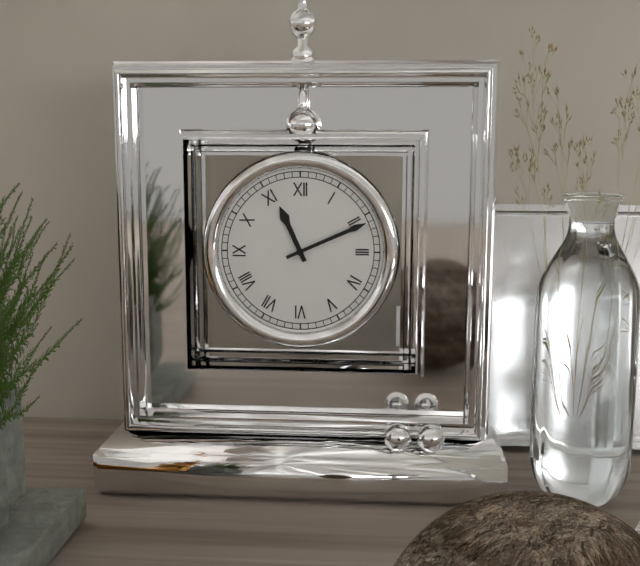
11:11
